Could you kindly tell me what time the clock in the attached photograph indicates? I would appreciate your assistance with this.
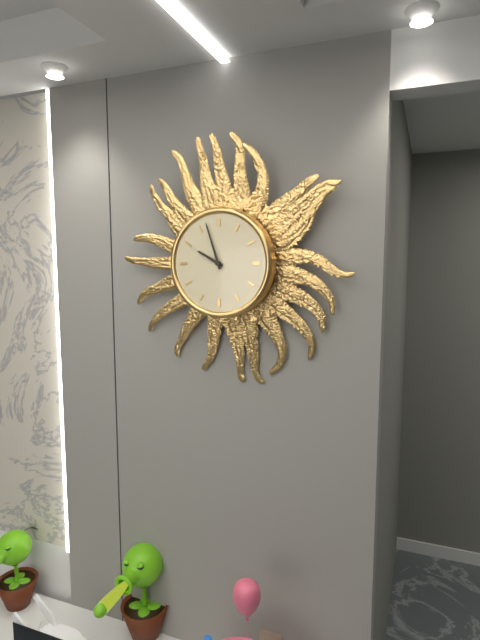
9:57
